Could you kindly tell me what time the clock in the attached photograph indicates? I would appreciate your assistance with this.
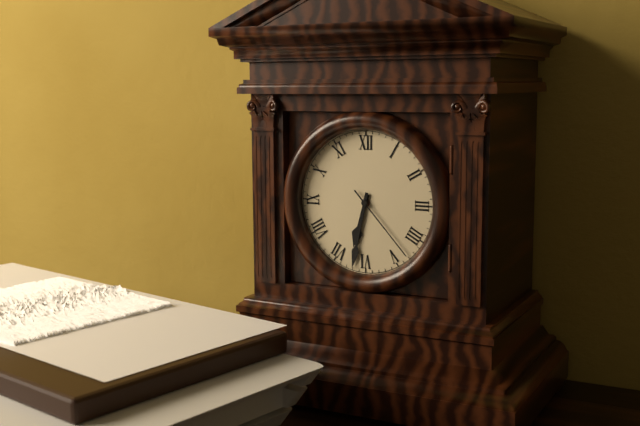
6:32:23
